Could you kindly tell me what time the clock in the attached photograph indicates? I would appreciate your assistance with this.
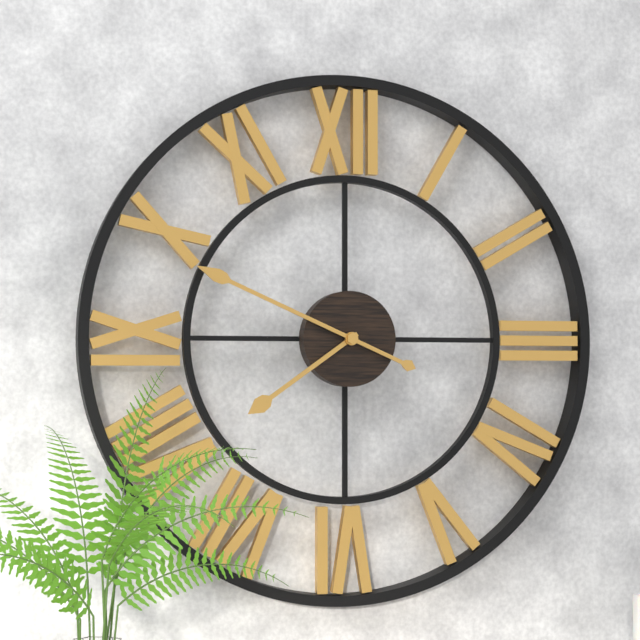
7:49
